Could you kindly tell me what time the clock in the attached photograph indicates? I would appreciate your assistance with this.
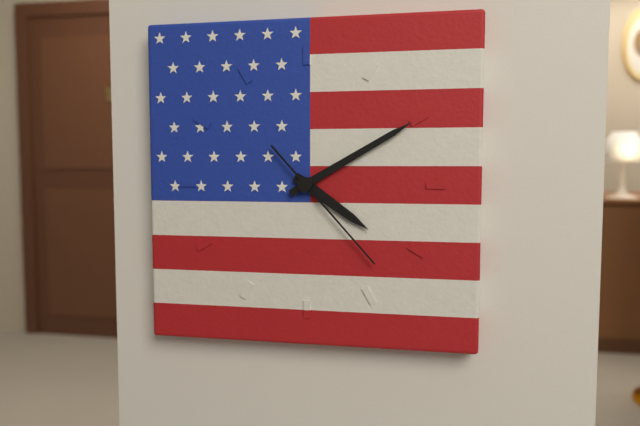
4:10:23
